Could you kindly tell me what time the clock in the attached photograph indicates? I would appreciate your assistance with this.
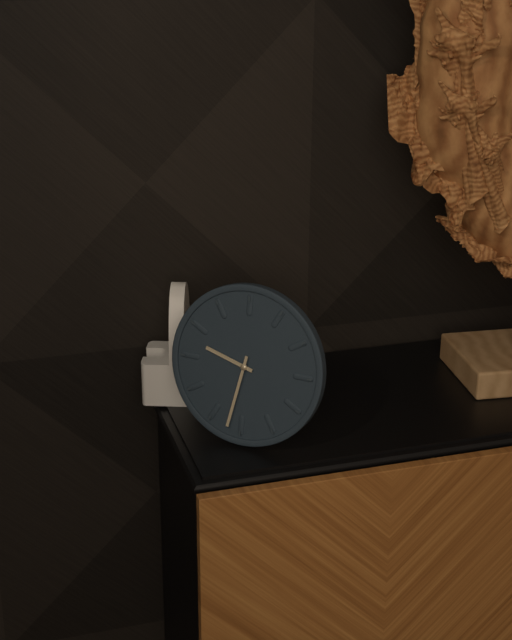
9:32
